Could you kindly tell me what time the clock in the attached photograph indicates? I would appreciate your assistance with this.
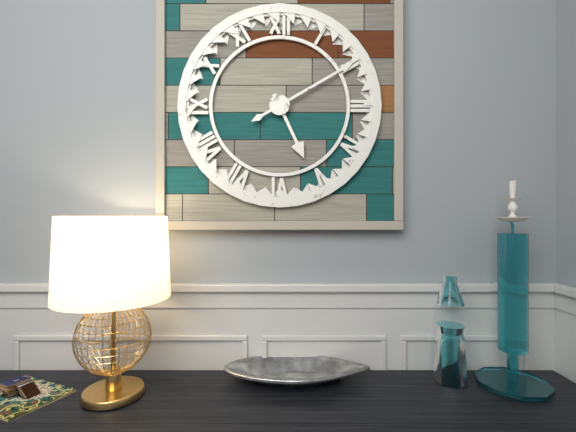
5:10
